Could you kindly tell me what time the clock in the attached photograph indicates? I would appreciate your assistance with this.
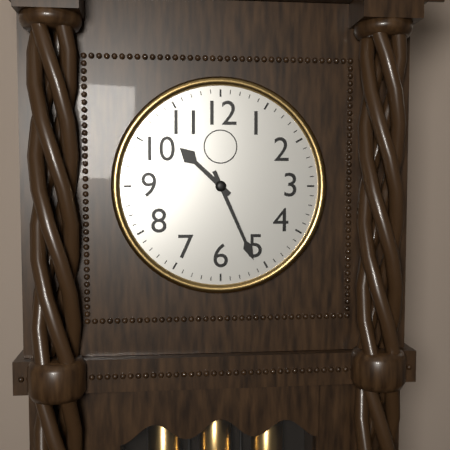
10:26
